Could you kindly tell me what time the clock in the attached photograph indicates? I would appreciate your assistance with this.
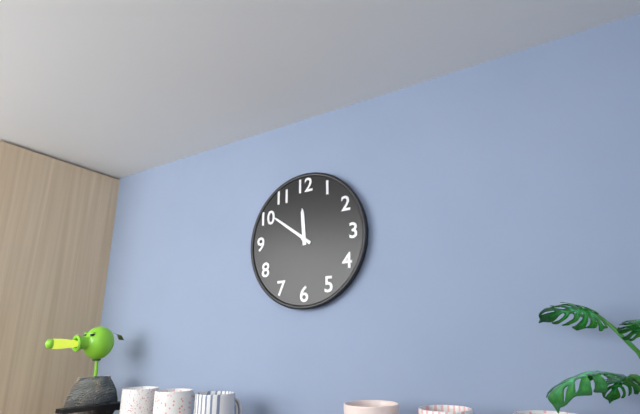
11:51
